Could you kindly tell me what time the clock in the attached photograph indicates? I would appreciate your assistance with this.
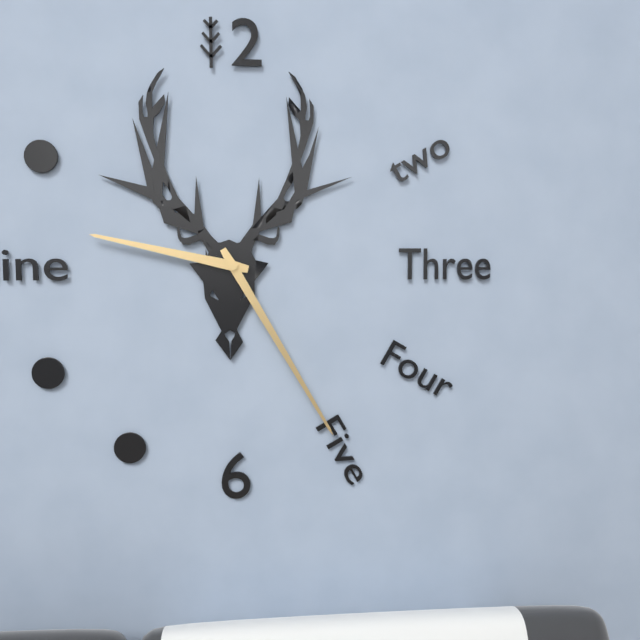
9:25
